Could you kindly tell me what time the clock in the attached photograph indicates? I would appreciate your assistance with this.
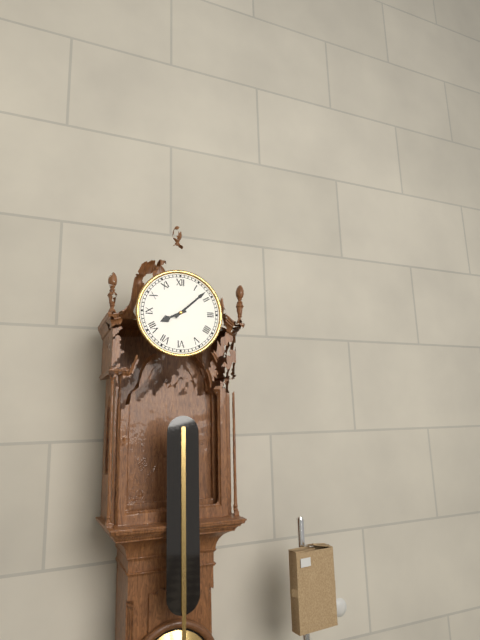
8:08
